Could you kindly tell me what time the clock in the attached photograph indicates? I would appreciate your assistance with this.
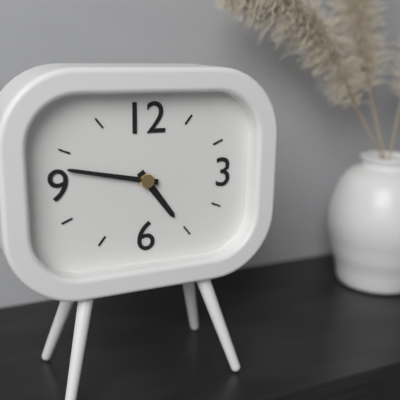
4:47
